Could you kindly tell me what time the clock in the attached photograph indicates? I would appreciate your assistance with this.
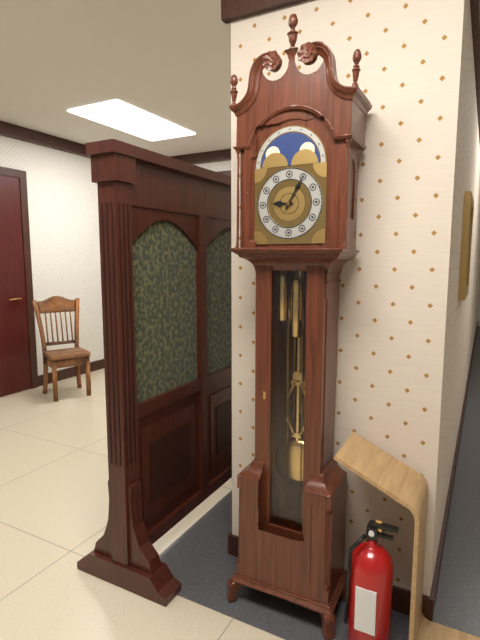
9:05
